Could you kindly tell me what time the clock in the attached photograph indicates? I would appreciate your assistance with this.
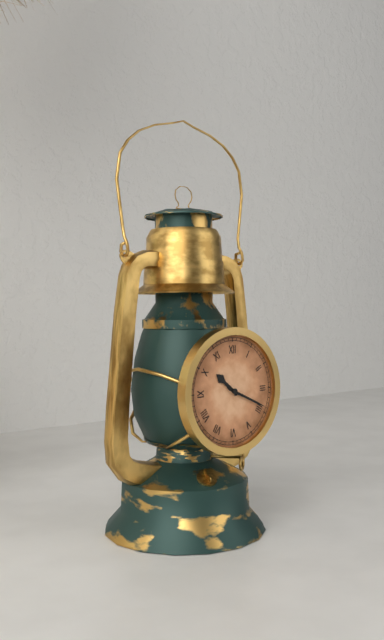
10:19
